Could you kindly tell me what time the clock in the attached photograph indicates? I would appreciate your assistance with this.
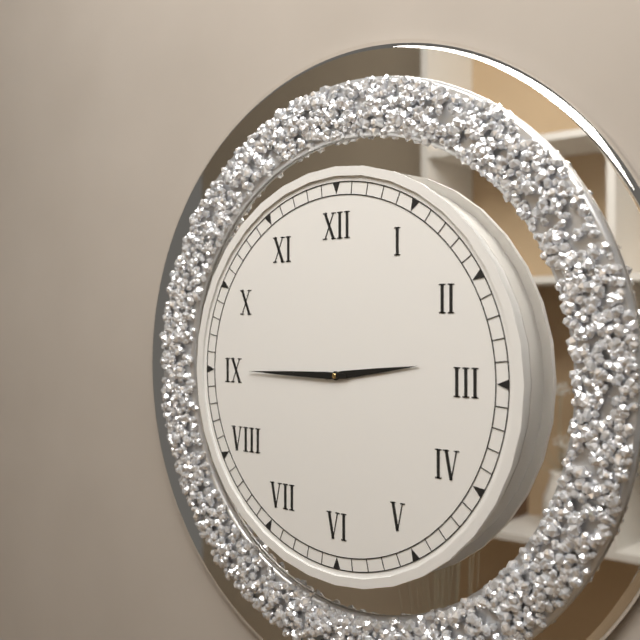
2:45
